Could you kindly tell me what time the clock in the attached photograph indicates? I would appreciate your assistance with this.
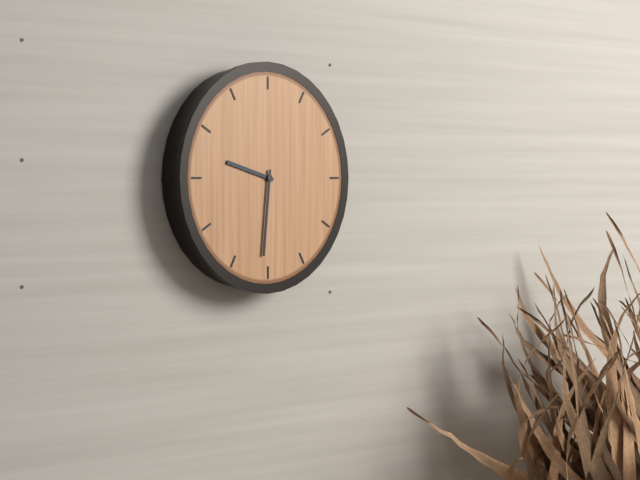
9:31
